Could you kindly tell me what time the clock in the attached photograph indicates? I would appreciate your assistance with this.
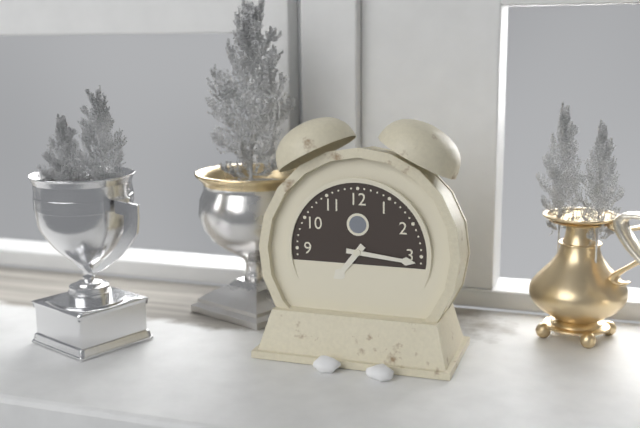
7:16
